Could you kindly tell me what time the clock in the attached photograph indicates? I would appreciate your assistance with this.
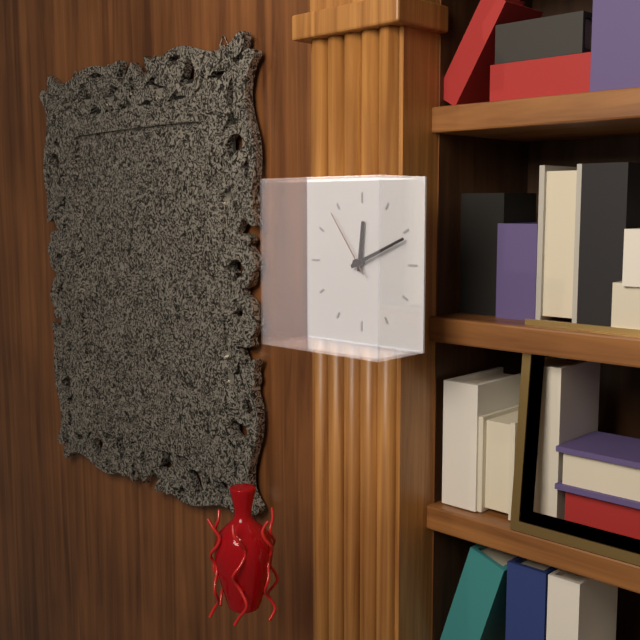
12:11:54
